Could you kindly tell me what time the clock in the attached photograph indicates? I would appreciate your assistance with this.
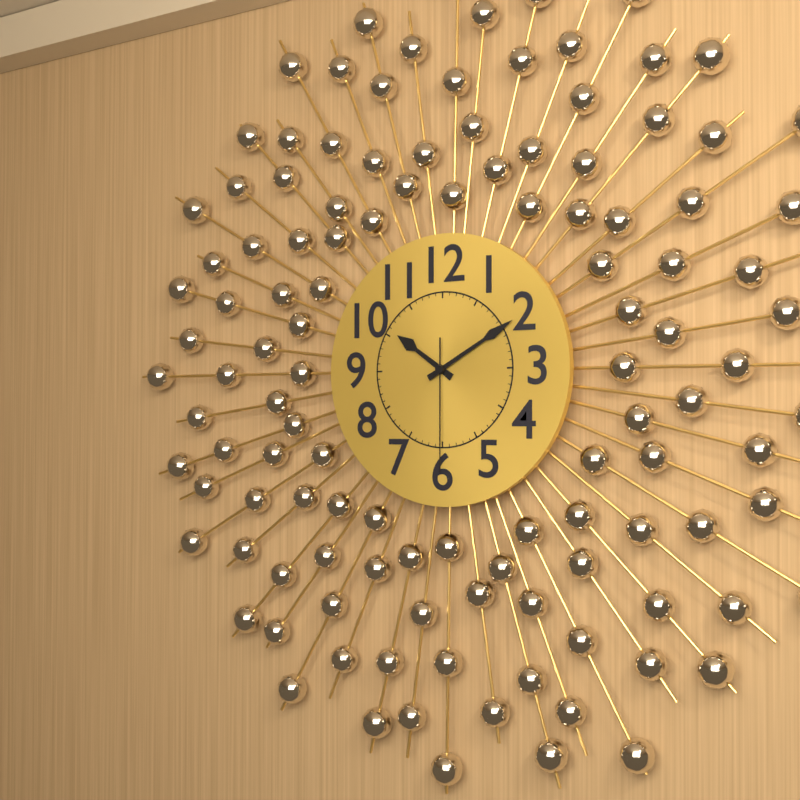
10:10:30
